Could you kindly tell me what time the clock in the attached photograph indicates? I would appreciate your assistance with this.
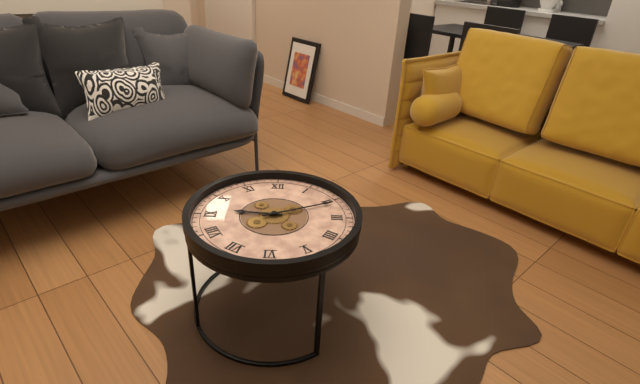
9:11
